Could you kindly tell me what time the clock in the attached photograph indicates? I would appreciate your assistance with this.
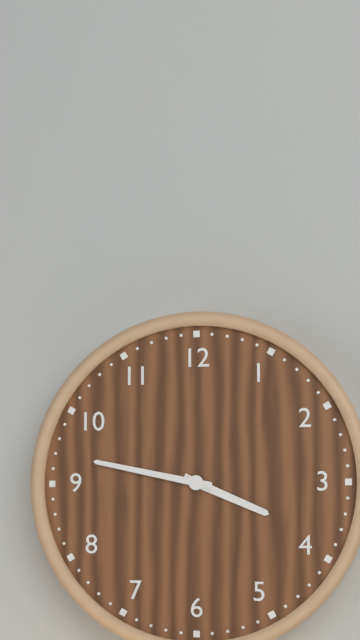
3:47
